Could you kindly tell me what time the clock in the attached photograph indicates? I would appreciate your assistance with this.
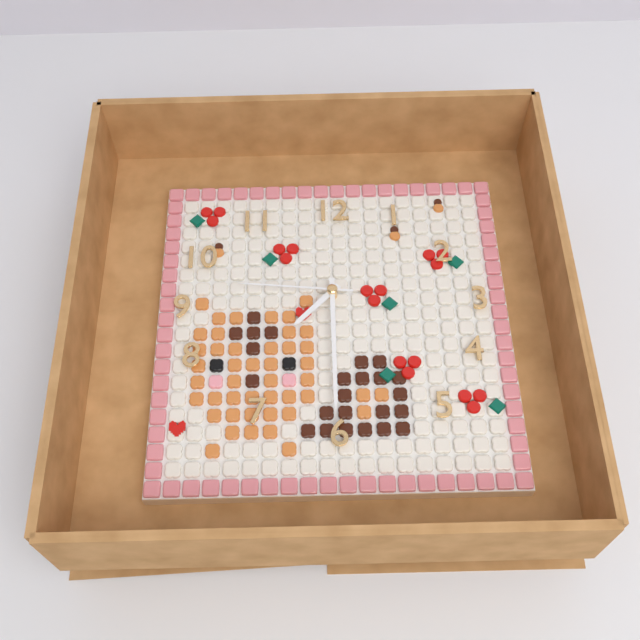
7:30:46
